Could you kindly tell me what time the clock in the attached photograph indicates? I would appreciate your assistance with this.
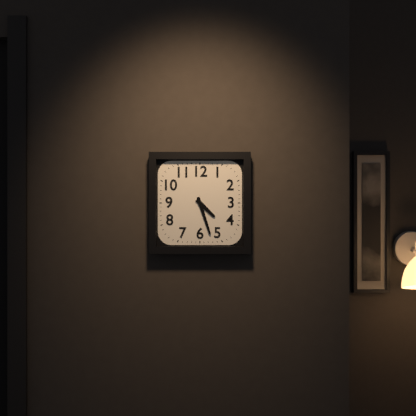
4:27
